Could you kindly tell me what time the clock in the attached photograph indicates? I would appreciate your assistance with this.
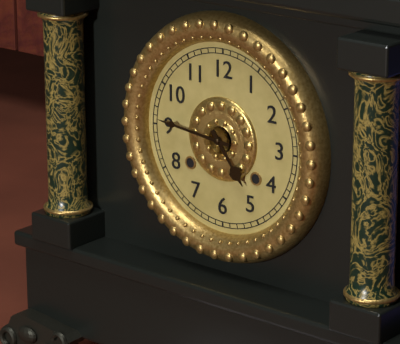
4:46
